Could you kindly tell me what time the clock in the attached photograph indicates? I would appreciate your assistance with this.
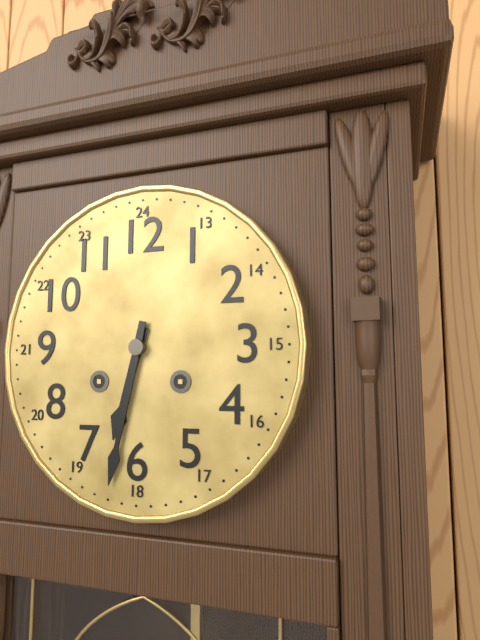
6:32
